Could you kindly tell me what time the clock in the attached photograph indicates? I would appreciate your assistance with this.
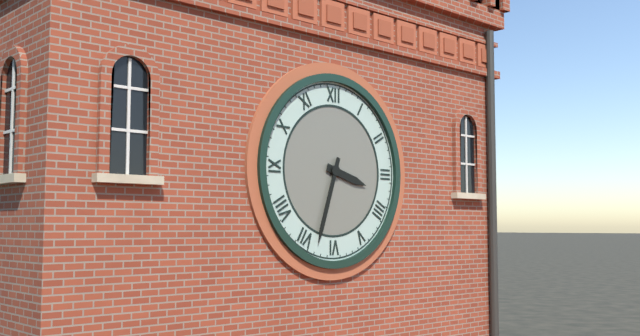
3:33
